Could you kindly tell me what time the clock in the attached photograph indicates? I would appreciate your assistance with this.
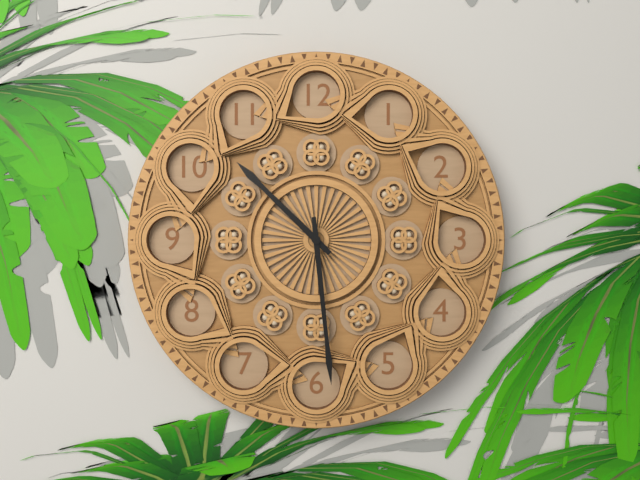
10:29
